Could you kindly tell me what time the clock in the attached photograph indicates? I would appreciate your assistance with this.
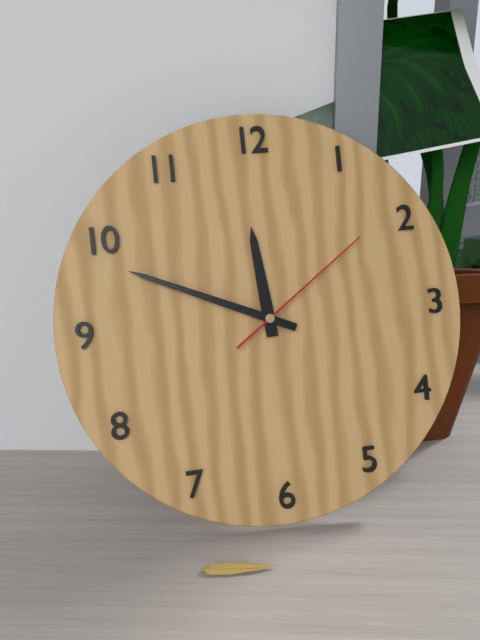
11:49:09
